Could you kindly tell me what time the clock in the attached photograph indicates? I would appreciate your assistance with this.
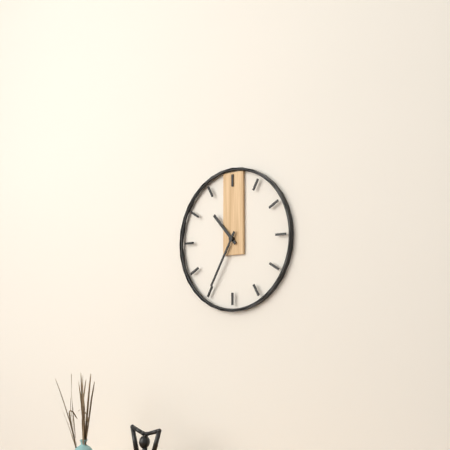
10:35
